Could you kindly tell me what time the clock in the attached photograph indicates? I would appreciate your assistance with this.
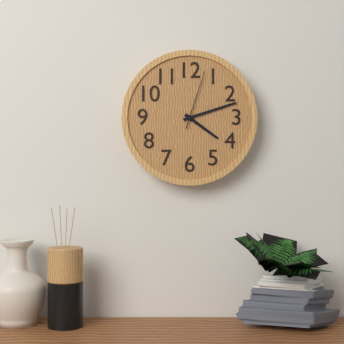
4:12:03
